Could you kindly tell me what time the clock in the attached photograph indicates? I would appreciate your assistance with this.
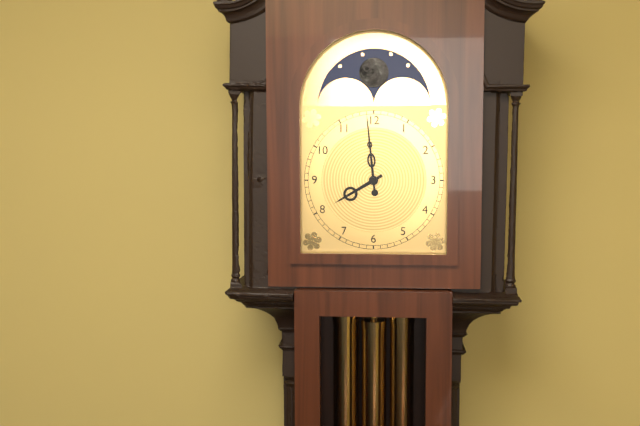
7:59
